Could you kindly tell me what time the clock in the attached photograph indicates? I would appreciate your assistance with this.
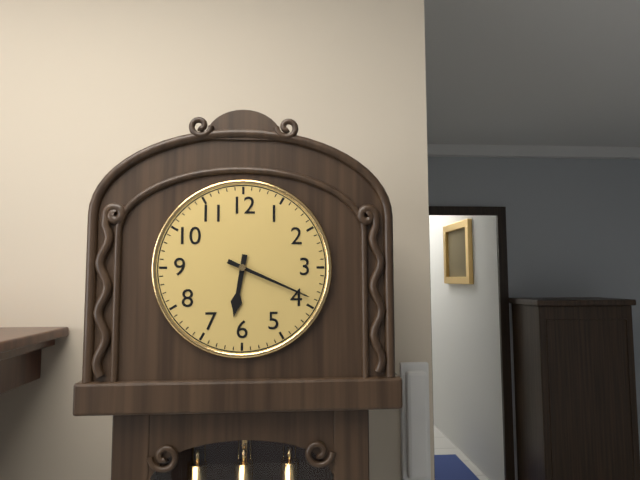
6:19
